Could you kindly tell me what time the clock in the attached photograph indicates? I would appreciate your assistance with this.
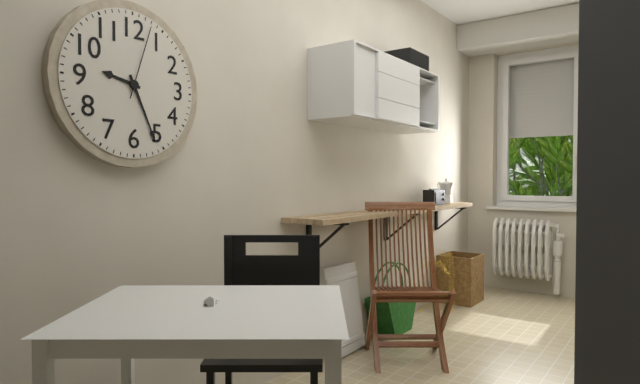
9:26:03
